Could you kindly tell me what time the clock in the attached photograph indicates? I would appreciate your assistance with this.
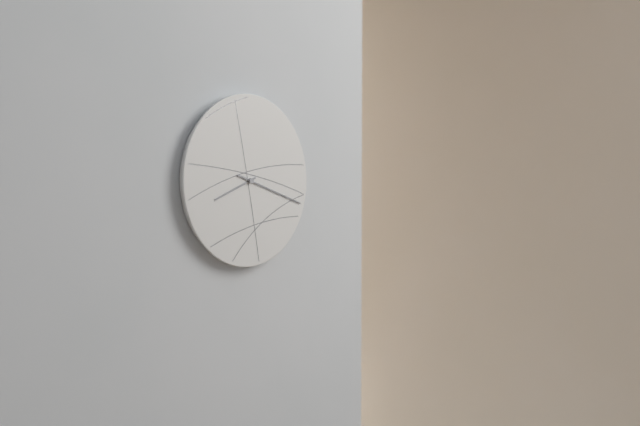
8:18
